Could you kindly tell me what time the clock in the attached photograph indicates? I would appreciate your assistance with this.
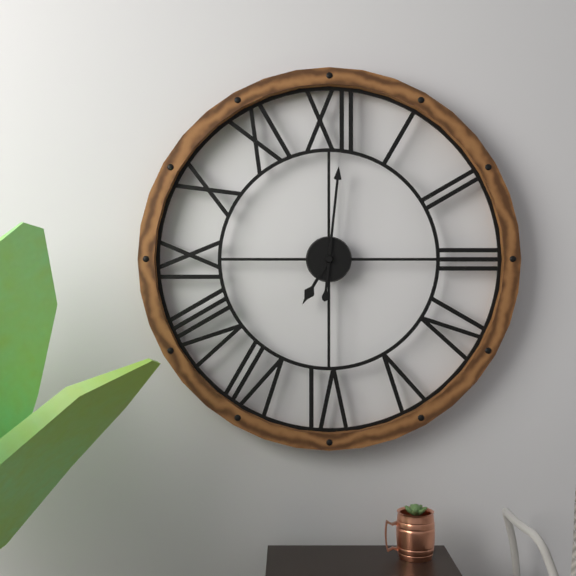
7:01
